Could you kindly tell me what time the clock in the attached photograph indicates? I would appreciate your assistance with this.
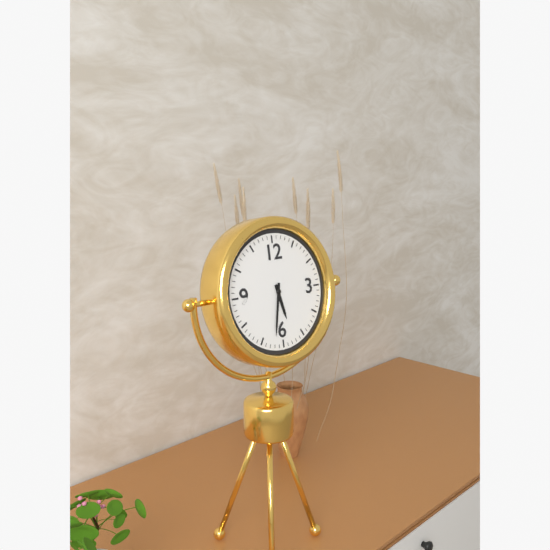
5:32
